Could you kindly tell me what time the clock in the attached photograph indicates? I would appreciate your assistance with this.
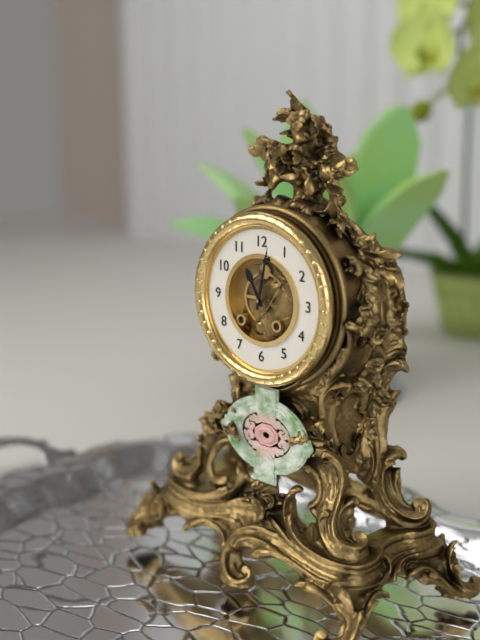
11:02
